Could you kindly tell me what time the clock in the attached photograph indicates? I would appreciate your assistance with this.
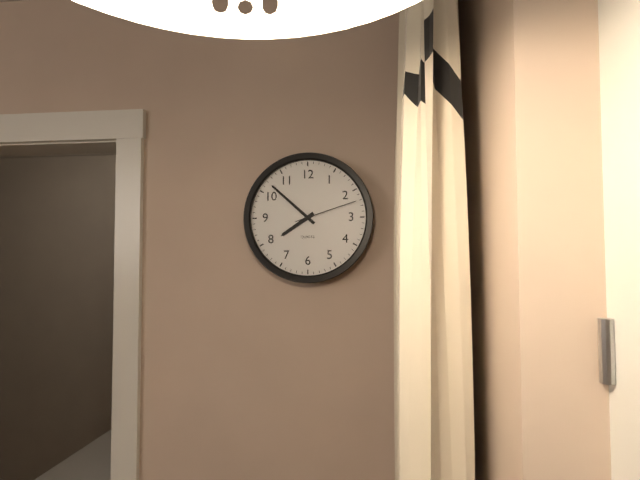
7:52:12
